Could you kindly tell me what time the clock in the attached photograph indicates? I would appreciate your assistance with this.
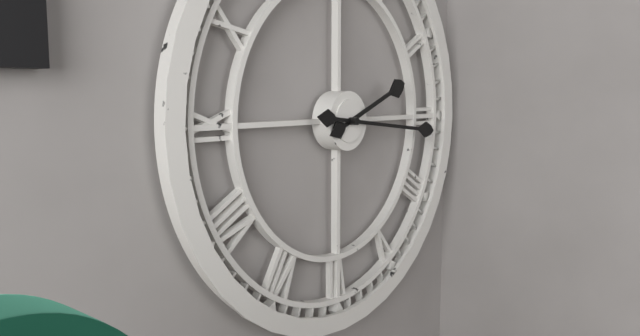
2:16
